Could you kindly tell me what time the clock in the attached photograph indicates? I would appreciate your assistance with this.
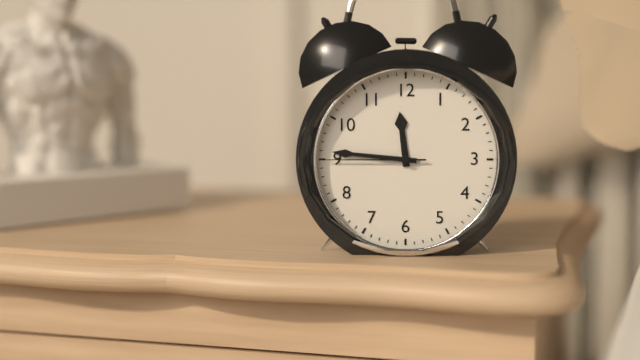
11:46:45
